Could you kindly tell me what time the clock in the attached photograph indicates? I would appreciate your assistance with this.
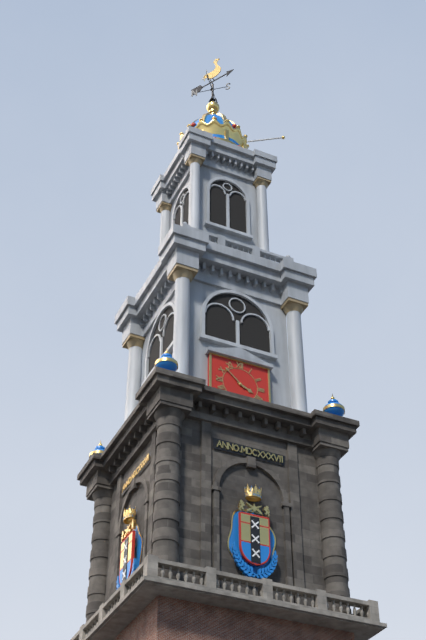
3:52
